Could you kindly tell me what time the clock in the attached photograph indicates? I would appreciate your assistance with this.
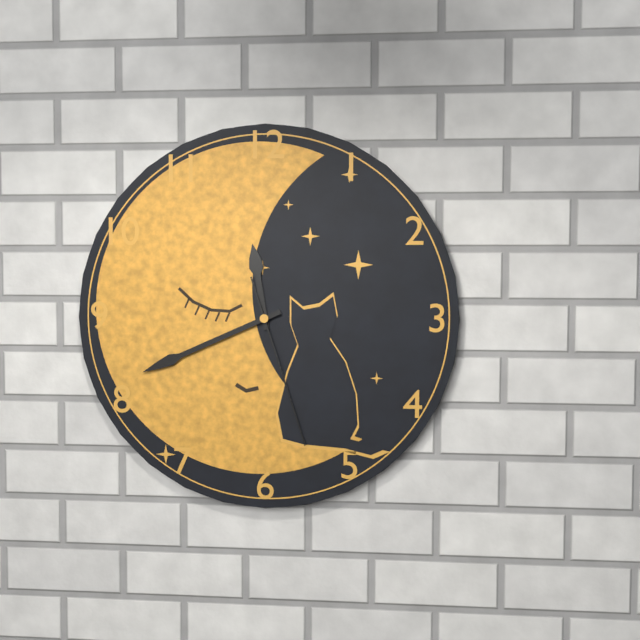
11:41:27
